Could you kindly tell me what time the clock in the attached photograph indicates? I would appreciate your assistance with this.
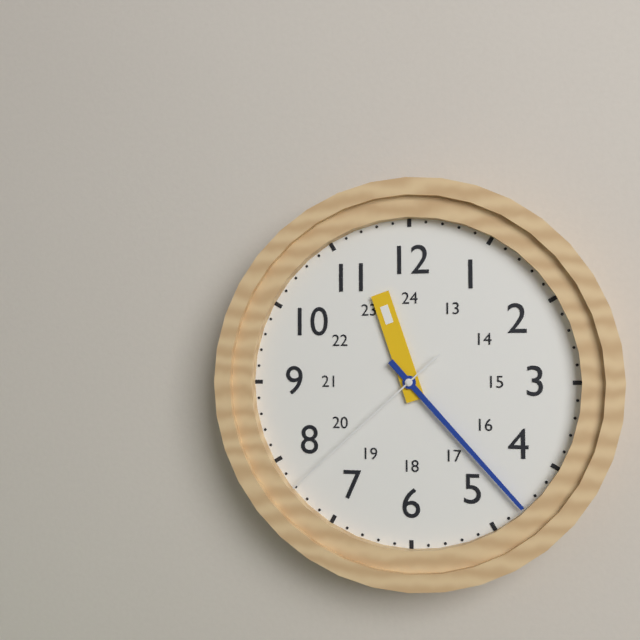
11:23:38
